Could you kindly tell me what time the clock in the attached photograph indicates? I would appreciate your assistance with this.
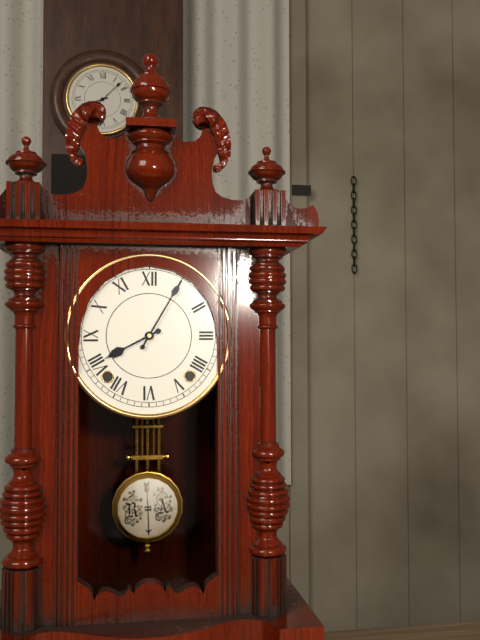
8:05
